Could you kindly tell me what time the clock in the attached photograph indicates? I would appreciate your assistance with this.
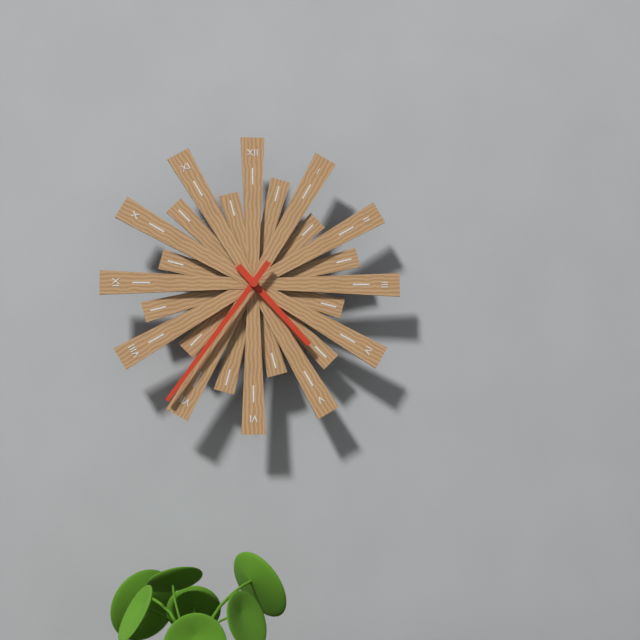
4:36
